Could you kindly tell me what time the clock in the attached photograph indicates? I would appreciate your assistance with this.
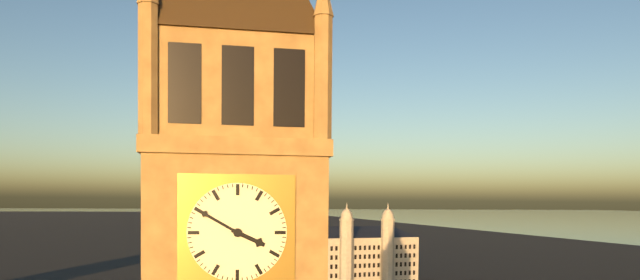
3:50
